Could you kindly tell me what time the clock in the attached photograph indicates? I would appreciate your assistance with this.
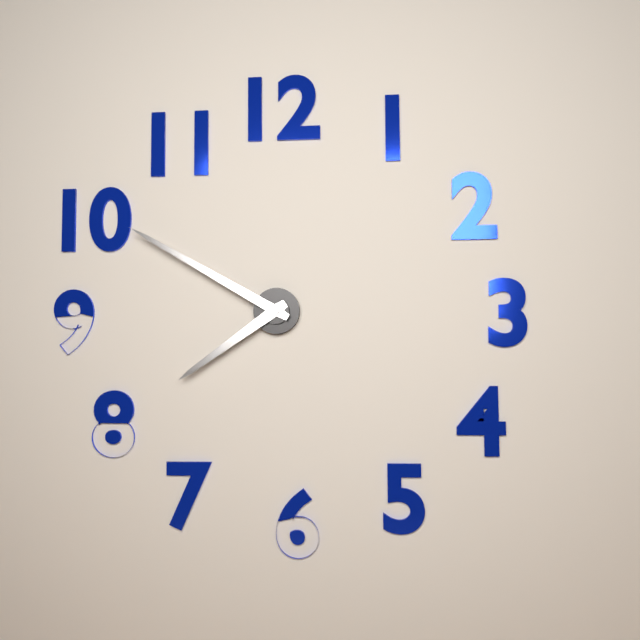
7:50
